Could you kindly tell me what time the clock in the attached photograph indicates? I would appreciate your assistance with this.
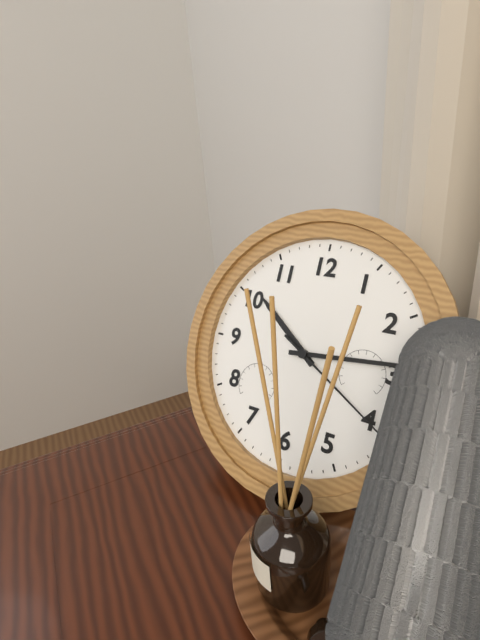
10:14:20
